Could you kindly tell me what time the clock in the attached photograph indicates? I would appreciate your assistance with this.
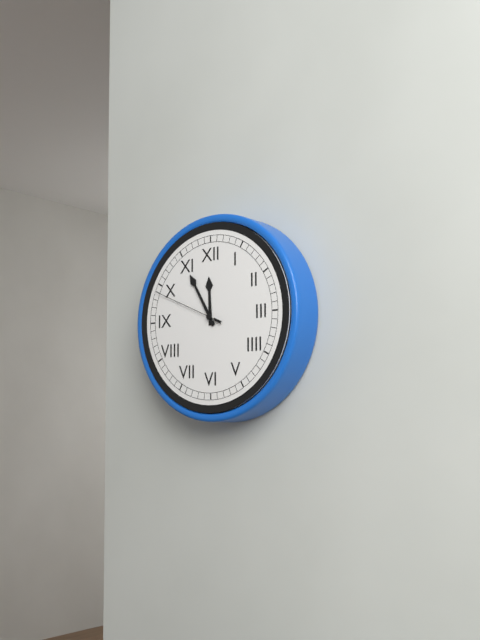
11:55:49
